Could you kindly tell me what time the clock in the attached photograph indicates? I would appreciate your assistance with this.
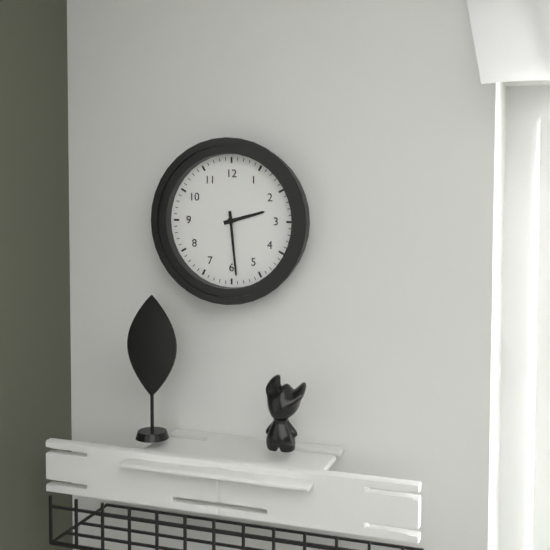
2:29
